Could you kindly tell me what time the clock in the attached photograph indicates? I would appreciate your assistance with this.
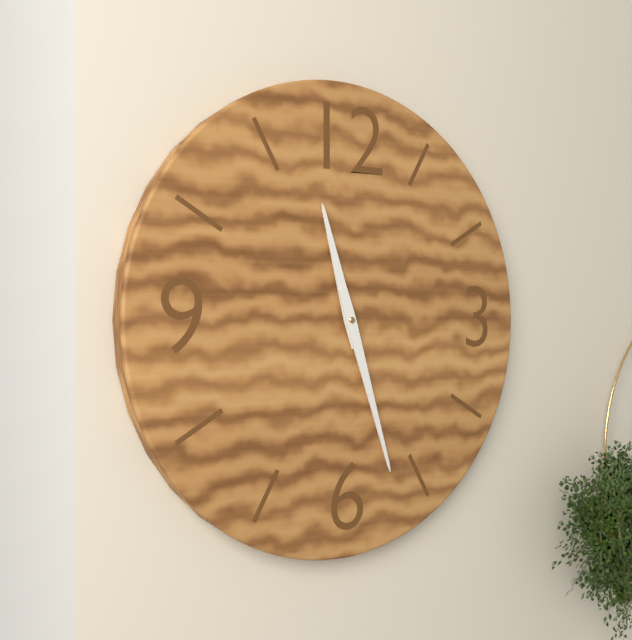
11:27
